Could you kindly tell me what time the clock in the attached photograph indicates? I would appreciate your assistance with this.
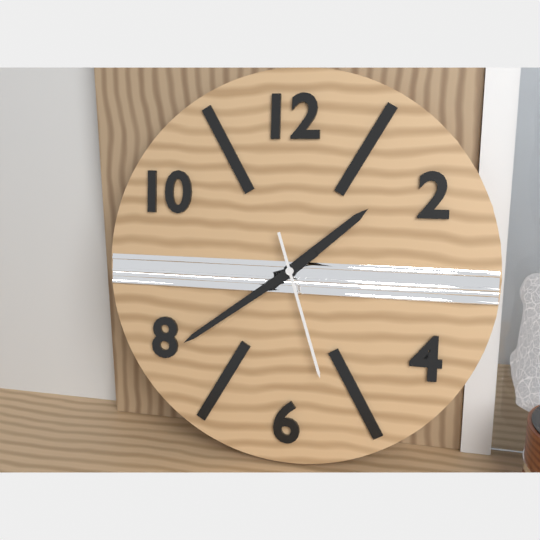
1:39:27
